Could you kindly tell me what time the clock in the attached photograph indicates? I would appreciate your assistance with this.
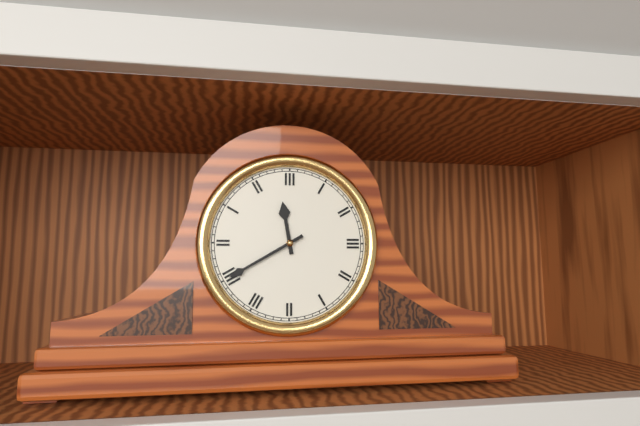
11:40
